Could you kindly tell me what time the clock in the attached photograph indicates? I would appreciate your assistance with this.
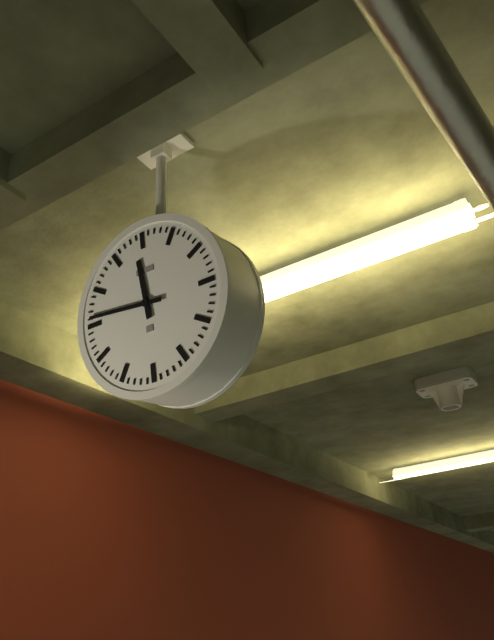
11:46
